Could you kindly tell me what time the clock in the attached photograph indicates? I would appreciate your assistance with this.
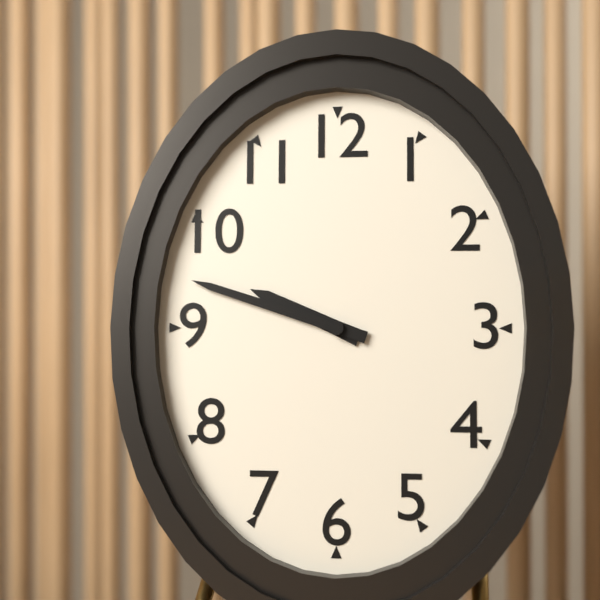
9:48
